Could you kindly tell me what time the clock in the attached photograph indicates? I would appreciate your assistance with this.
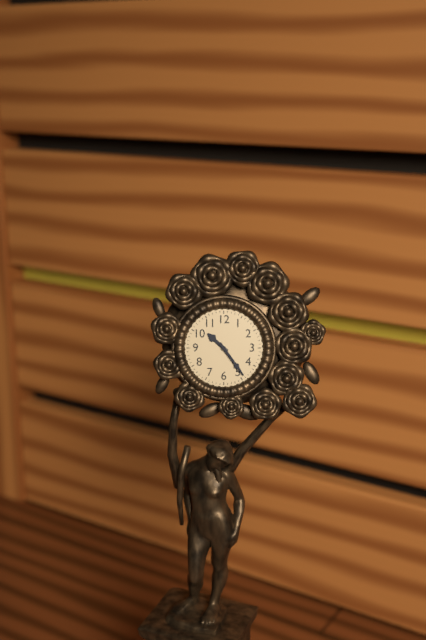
10:24
